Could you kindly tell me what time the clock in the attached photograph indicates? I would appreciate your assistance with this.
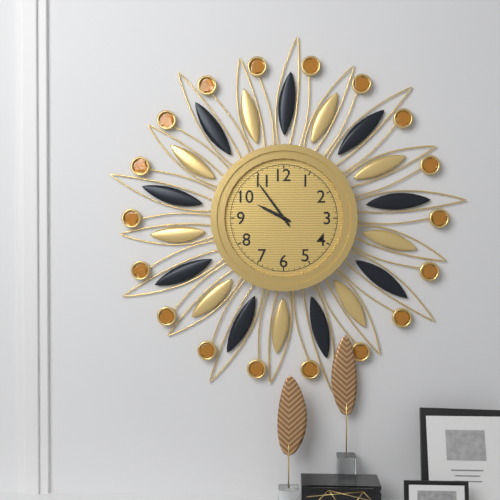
9:54
